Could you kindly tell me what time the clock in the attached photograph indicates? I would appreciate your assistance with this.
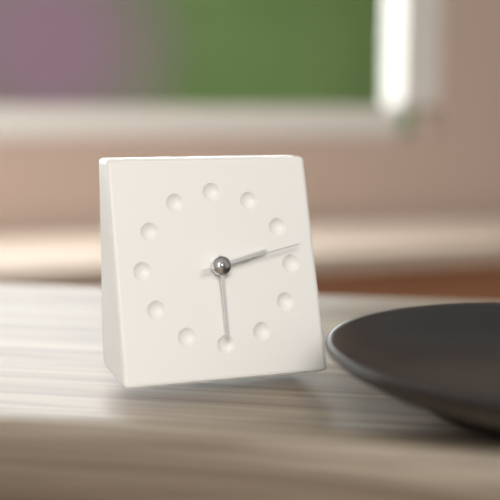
2:30:13
